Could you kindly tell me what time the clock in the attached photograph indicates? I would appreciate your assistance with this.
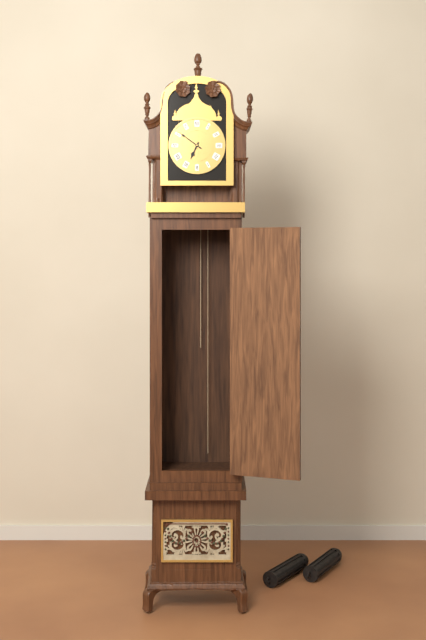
6:51
